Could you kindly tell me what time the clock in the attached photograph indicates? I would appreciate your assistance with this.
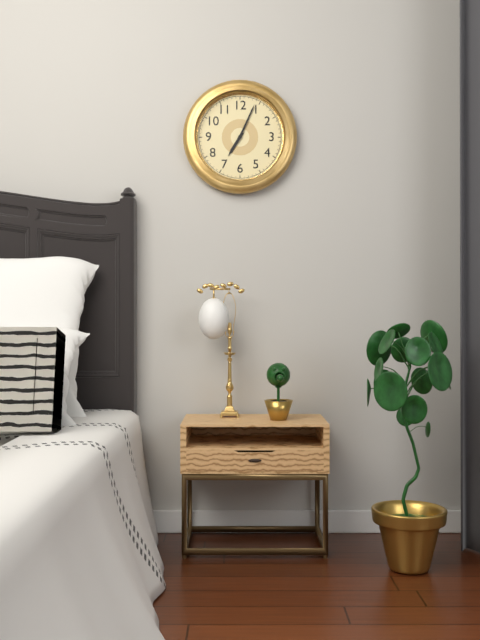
7:04
